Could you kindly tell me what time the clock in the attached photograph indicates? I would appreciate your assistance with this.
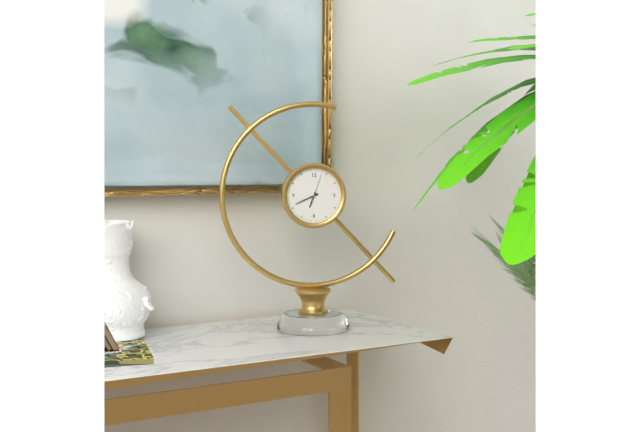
6:41
